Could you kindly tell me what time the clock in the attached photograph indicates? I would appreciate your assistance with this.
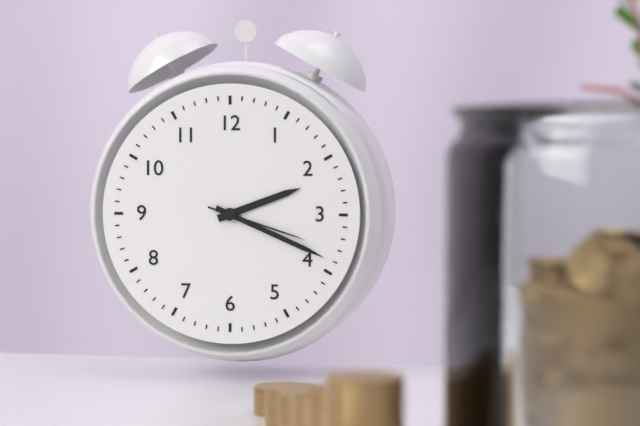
2:19:18
